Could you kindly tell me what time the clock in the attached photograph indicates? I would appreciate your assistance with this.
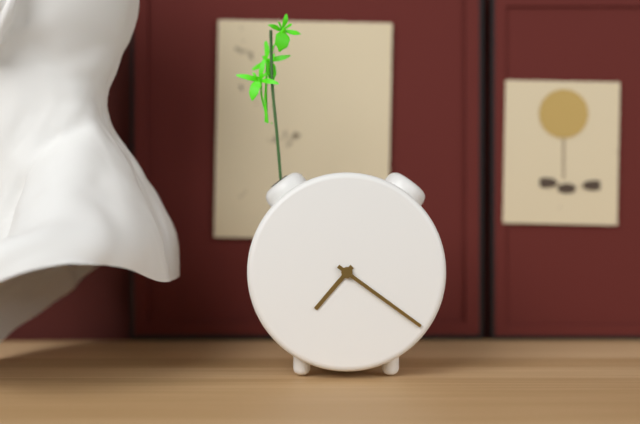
7:21
